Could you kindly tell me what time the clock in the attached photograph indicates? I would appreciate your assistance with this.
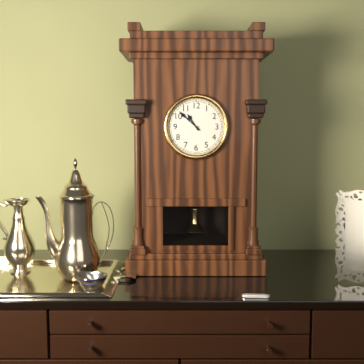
10:52
